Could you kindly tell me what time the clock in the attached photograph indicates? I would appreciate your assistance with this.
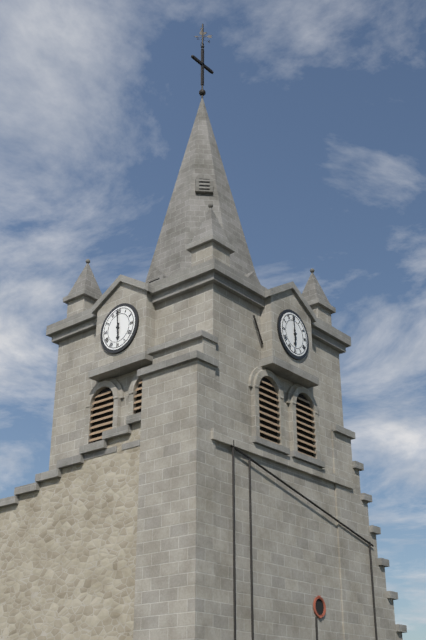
5:59
